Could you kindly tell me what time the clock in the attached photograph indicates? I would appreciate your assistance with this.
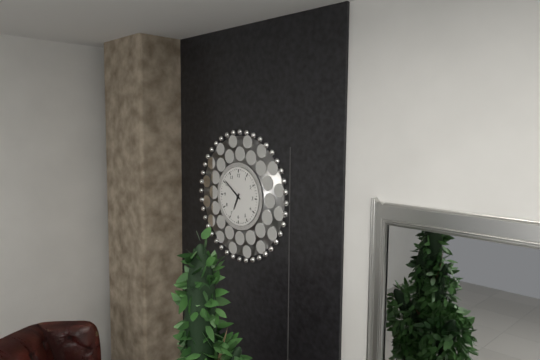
6:51
